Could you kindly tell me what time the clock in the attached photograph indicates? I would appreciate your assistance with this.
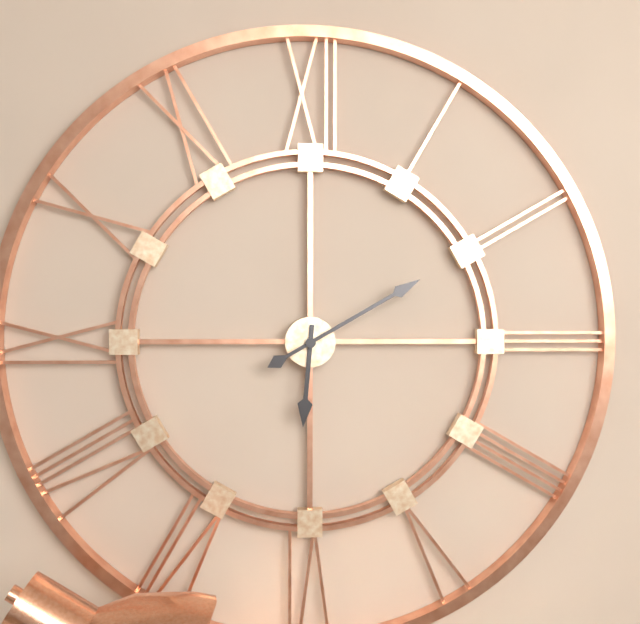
6:10
